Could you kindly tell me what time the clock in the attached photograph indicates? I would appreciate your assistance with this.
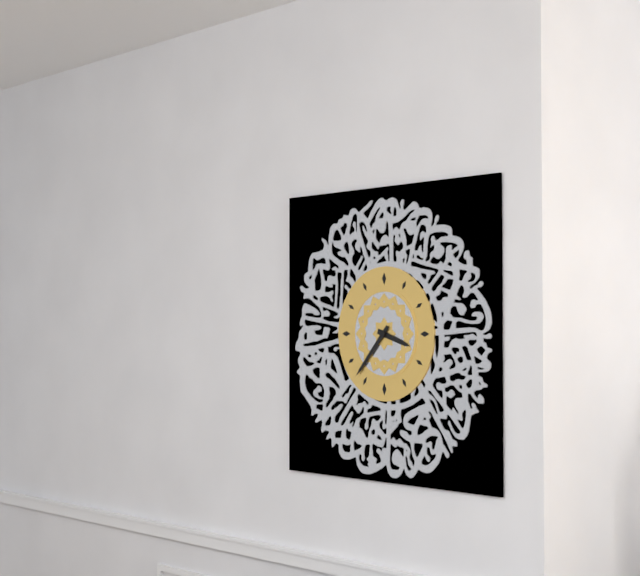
3:37
